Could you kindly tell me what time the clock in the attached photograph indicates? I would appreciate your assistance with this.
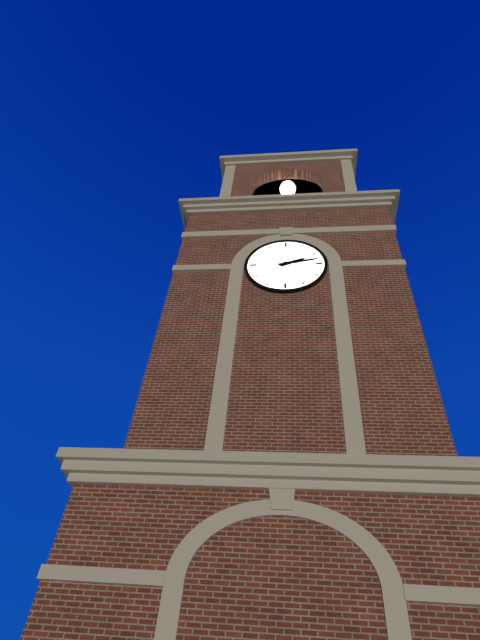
2:13
